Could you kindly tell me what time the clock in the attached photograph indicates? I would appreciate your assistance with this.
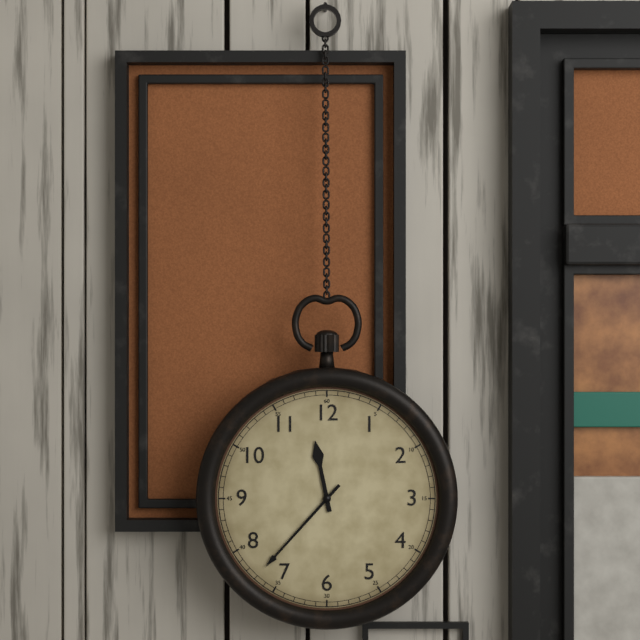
11:37
